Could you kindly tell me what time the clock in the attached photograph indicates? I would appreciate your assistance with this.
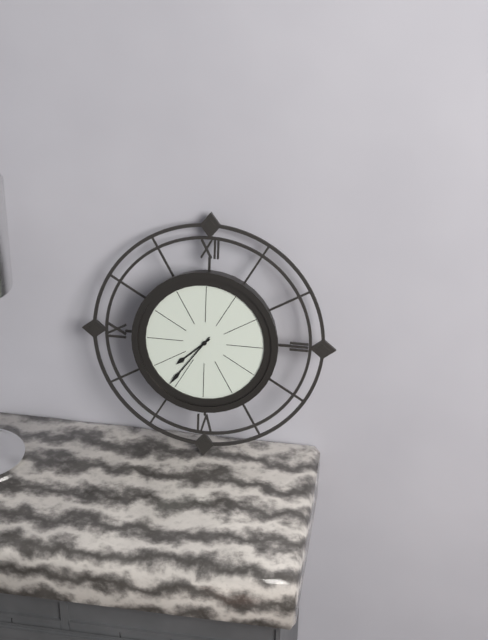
7:36
